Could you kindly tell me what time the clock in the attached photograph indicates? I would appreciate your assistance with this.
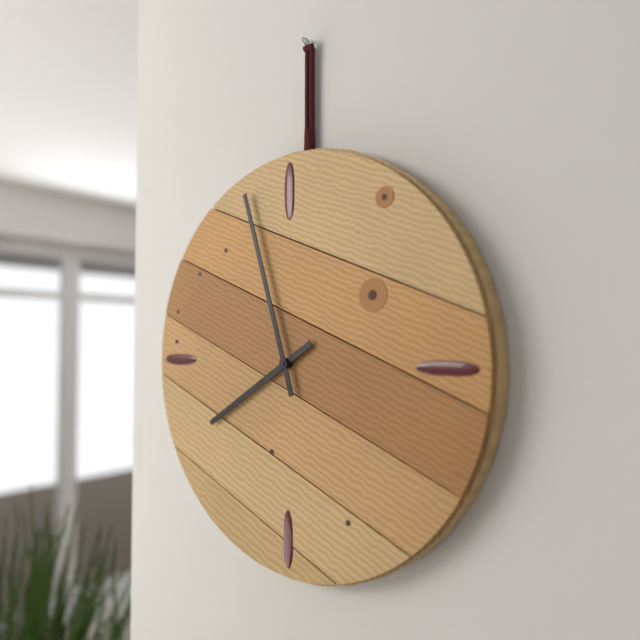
7:57
